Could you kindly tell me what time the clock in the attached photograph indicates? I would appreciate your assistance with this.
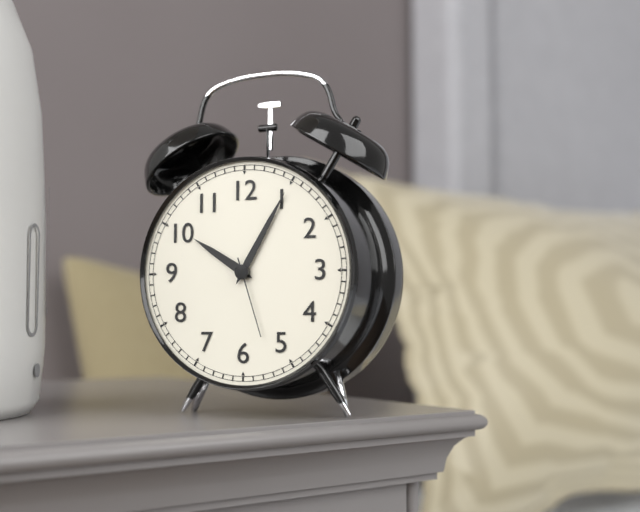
10:05:27
